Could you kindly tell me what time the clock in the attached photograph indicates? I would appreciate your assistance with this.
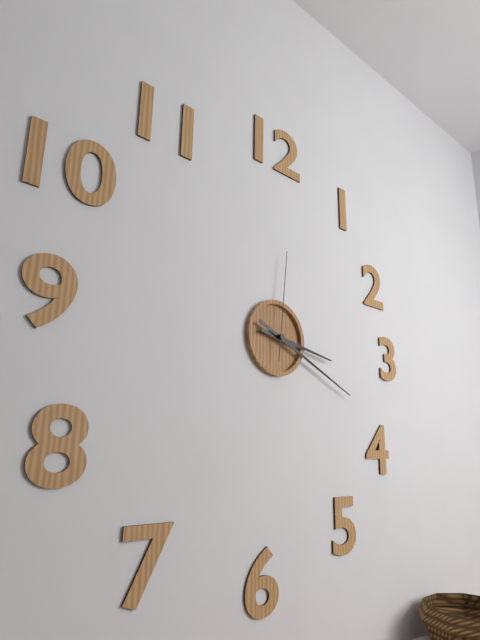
3:19:01
